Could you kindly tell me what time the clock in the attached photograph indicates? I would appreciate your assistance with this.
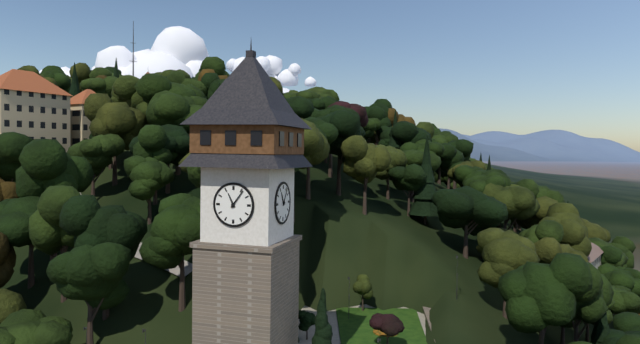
11:06
